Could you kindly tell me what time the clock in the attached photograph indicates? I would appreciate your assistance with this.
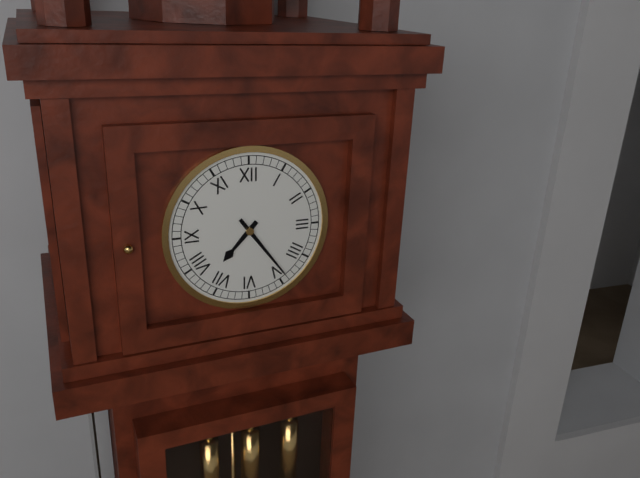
7:24
